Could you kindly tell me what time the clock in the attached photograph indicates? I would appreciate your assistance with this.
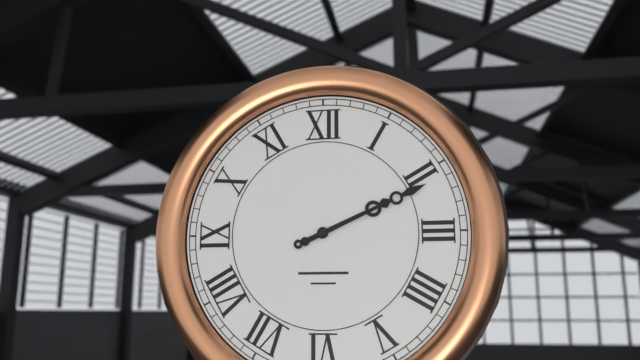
2:11
